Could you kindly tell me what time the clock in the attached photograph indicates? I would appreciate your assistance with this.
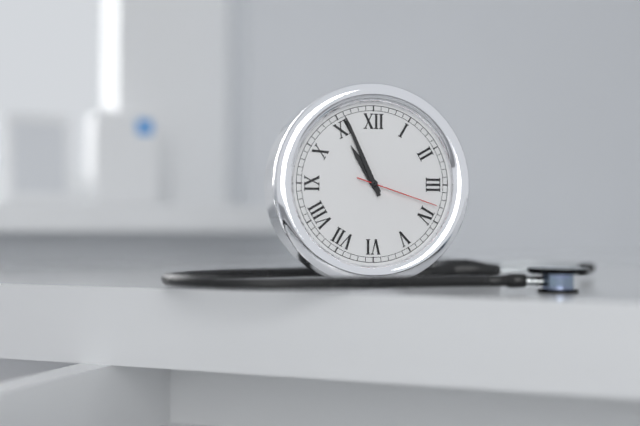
10:56:18
